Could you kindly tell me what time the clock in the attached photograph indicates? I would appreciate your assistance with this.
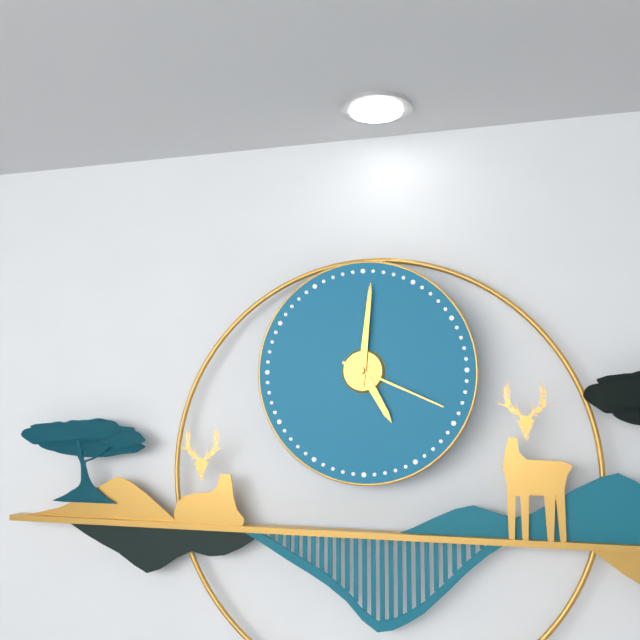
5:01:19
